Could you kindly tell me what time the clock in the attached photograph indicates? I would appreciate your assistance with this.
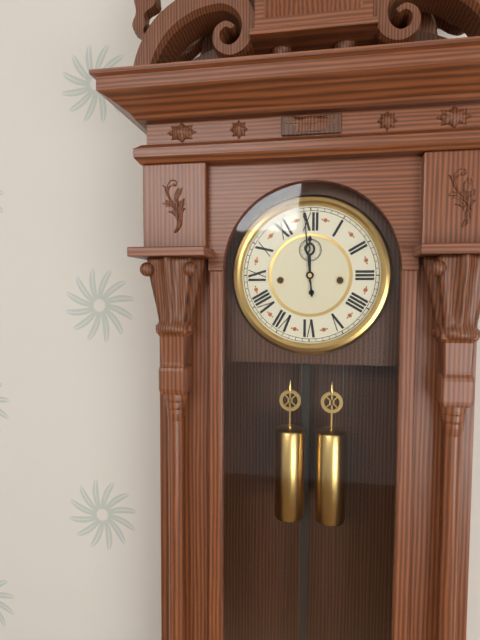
11:59
